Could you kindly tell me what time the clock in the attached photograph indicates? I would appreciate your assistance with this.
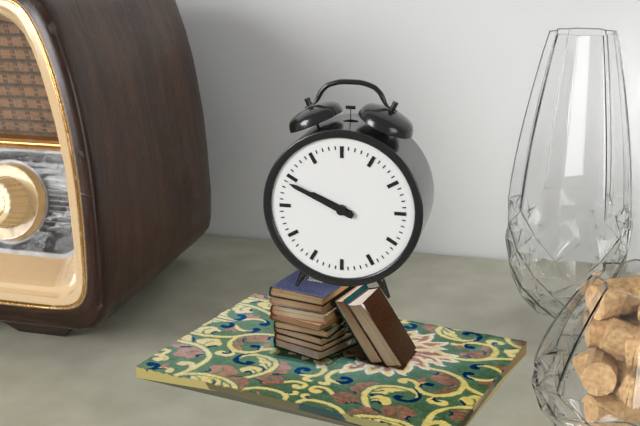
9:49
